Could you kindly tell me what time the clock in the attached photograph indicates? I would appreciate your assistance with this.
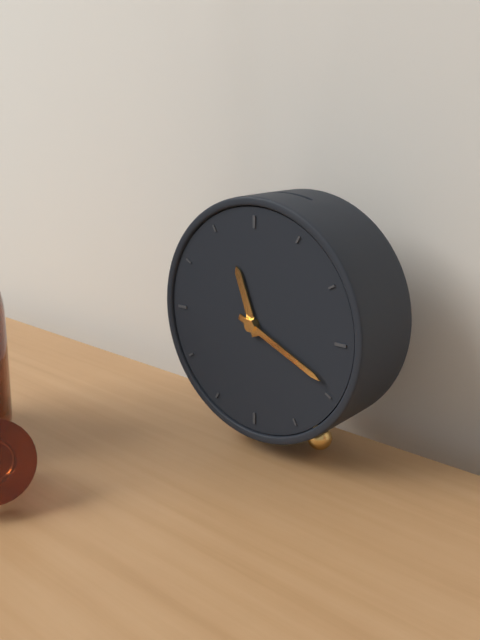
11:19
